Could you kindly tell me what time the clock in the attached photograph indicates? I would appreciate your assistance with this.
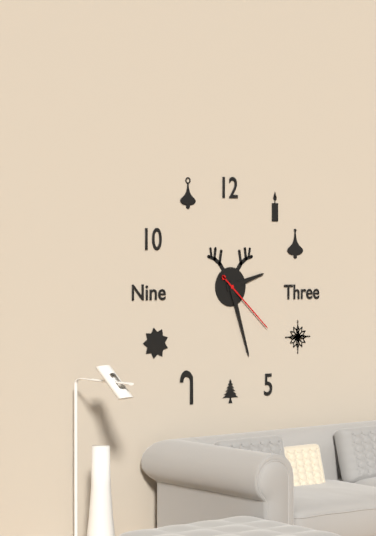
2:27:22
